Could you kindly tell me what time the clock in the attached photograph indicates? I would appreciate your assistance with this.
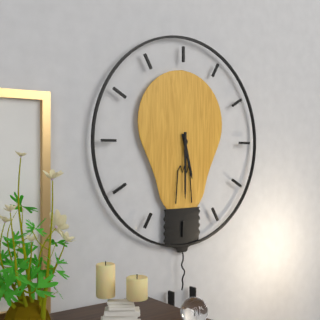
5:30
